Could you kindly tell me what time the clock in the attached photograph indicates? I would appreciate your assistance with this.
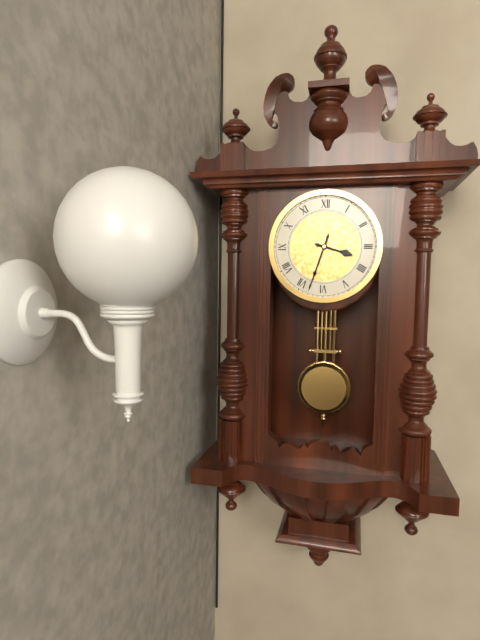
3:33
